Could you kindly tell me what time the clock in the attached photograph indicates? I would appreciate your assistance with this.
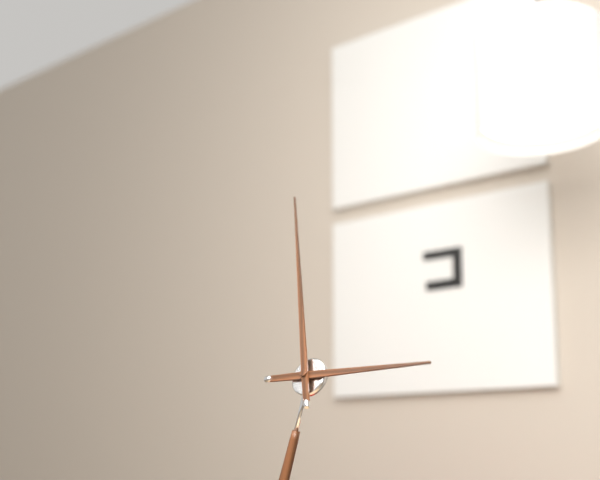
2:57
